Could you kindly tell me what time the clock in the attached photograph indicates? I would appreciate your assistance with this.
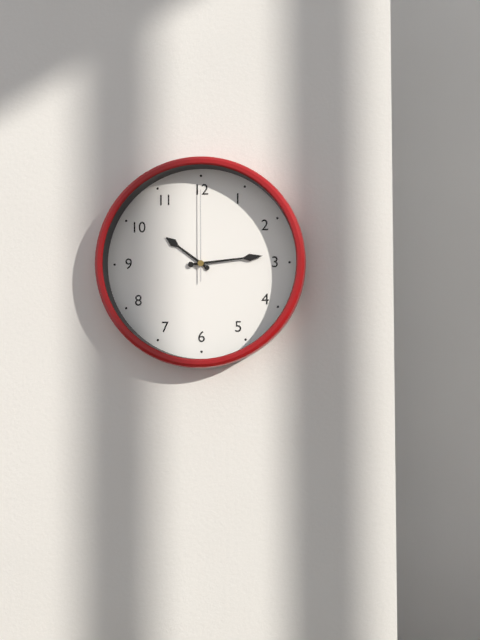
10:14:00
